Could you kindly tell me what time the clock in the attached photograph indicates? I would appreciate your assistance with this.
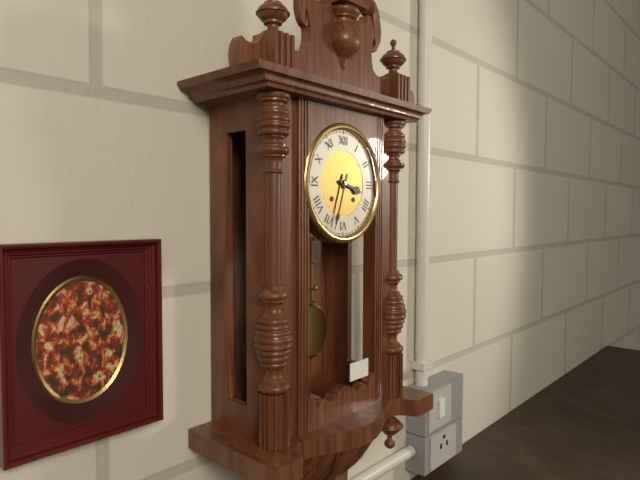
3:33
